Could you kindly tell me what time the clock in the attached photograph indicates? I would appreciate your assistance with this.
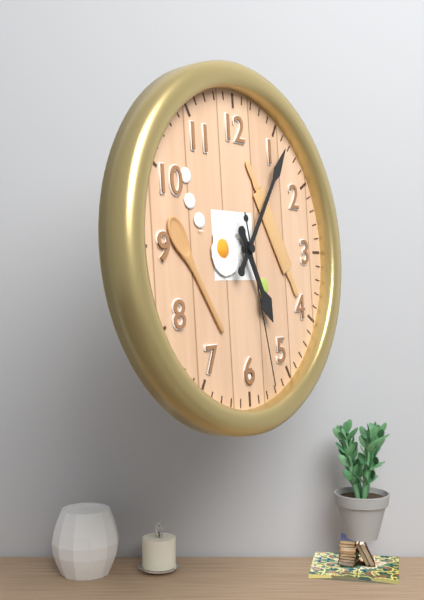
5:06:28
